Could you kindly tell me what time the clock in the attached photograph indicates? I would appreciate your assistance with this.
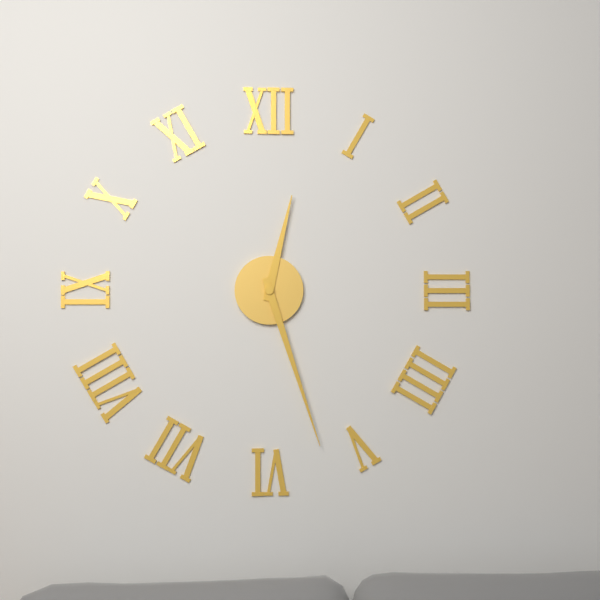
12:27
